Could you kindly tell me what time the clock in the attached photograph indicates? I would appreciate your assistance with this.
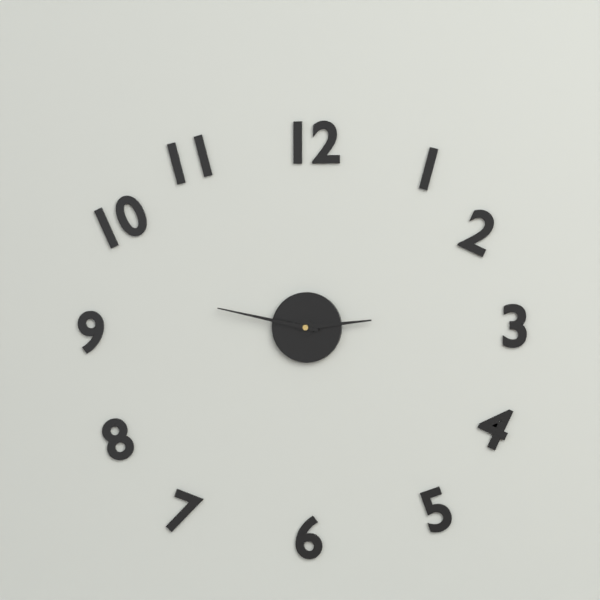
2:47
